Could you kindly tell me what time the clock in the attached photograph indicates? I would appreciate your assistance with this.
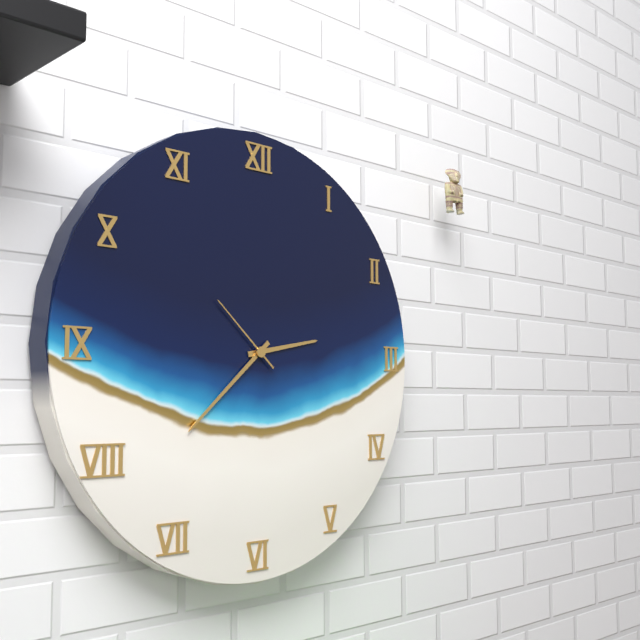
2:38:52
